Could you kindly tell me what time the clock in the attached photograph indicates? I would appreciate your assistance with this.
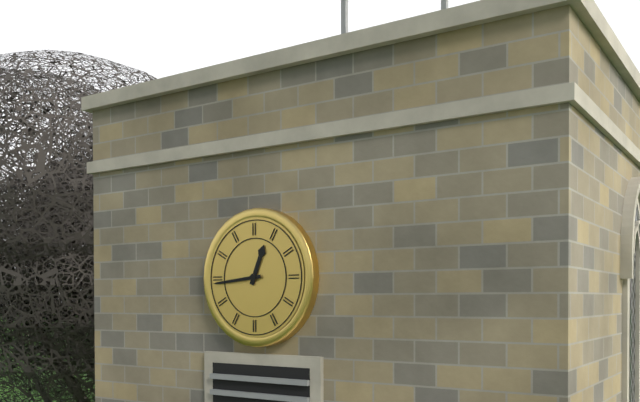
12:44
